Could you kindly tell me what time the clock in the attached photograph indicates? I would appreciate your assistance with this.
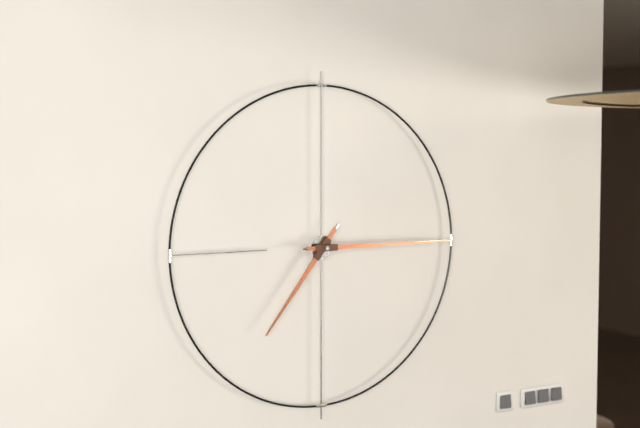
7:15
